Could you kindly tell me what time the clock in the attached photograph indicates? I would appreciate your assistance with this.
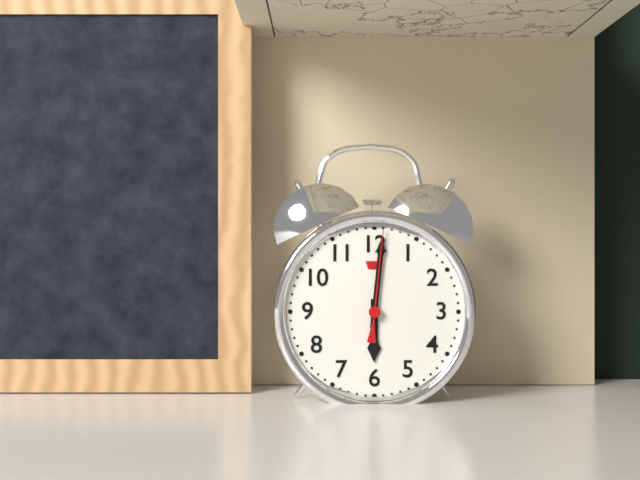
6:01:01
